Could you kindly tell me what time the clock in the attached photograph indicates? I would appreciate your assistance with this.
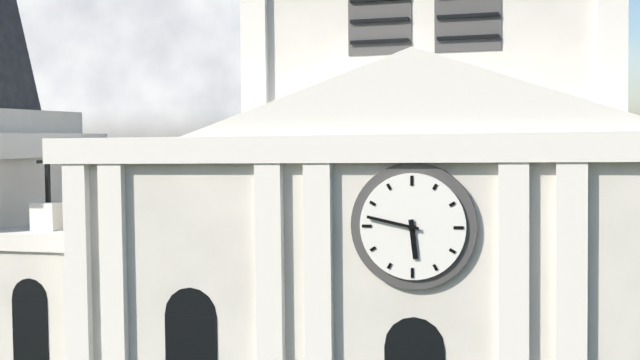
5:47
